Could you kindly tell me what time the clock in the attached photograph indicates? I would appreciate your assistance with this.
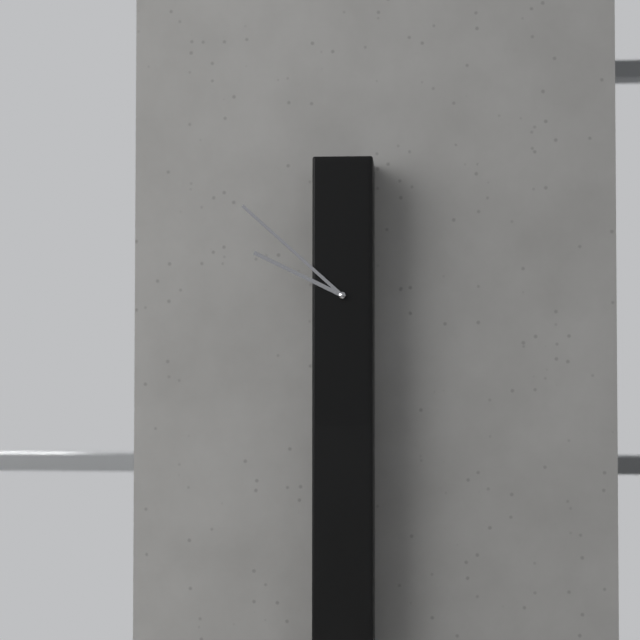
9:52
